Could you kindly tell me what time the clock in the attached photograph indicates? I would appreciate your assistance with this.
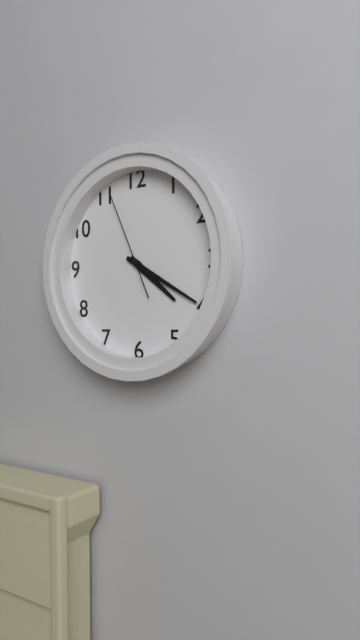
4:20:56
